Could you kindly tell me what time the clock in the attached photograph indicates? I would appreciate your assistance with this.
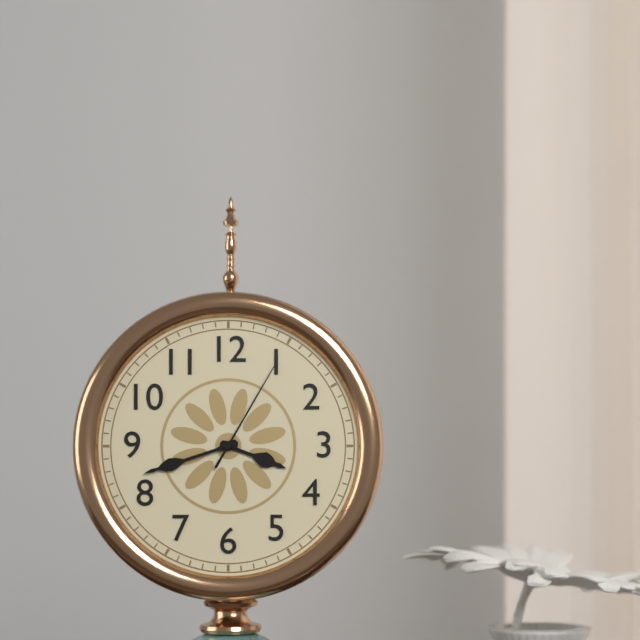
3:42:05
